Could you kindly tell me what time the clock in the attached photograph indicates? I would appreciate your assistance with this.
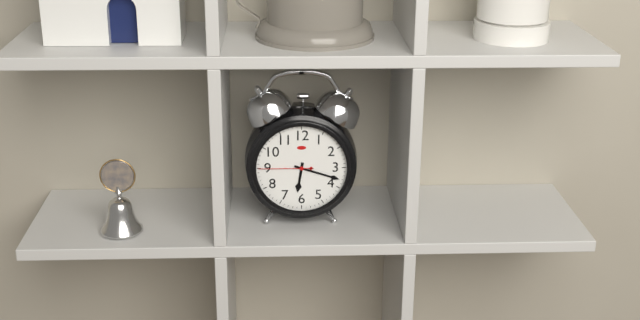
6:18:45
